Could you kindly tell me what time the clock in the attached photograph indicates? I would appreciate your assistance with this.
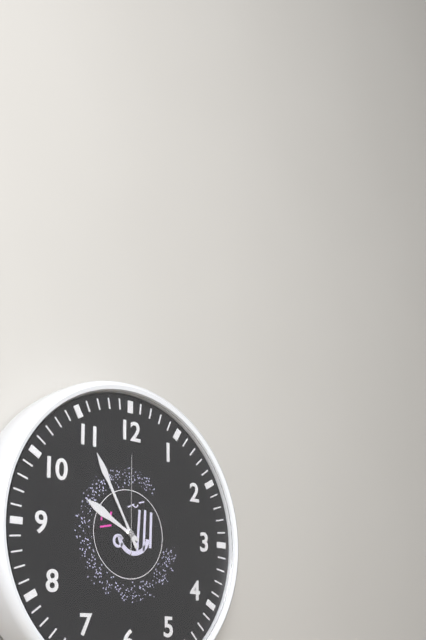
9:55:00
